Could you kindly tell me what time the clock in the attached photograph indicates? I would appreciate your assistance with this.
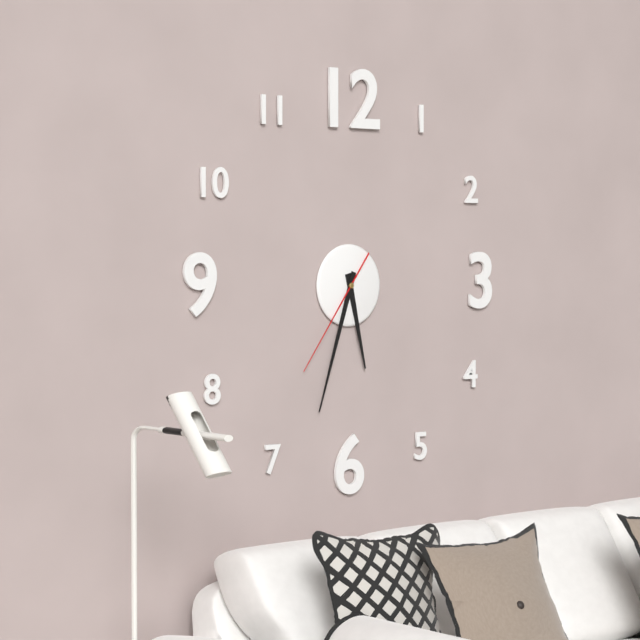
5:33:36
